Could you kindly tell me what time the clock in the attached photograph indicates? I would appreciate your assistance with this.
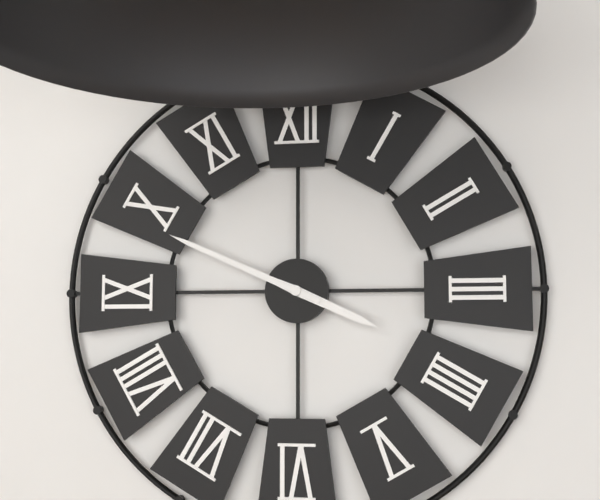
3:49
